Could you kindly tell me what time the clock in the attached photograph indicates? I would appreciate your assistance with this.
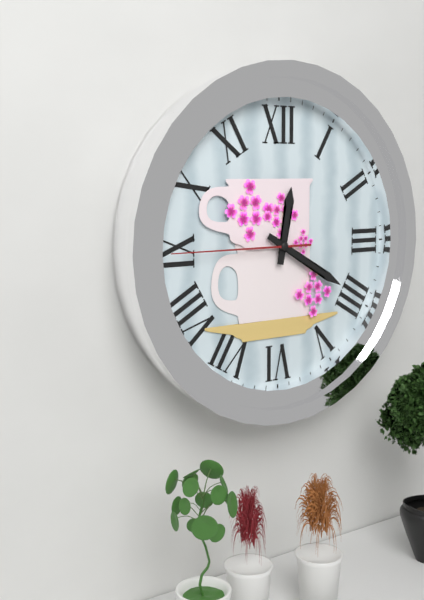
12:20:45
